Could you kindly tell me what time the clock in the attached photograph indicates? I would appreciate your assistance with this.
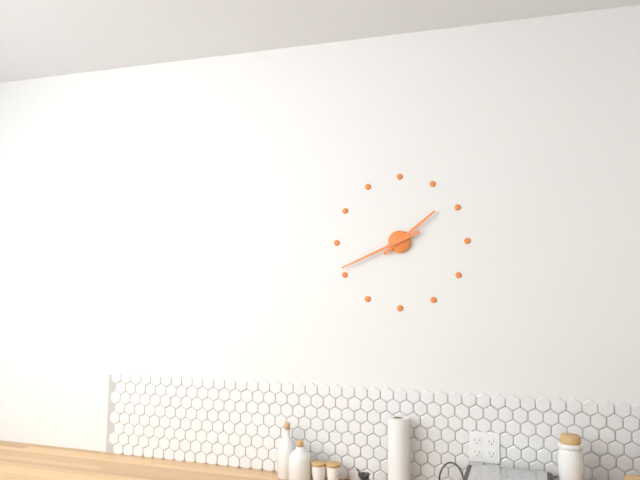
1:41
